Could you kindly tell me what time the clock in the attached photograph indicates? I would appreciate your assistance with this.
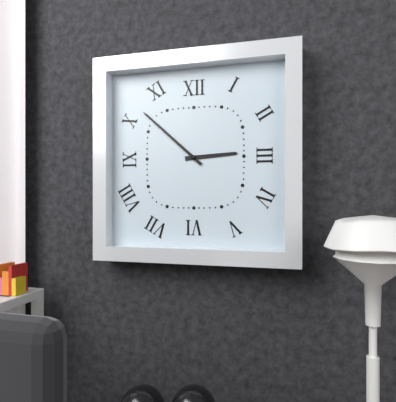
2:52
